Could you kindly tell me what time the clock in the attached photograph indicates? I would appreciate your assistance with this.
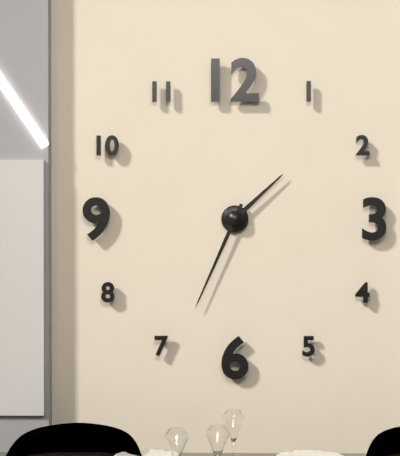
1:34
